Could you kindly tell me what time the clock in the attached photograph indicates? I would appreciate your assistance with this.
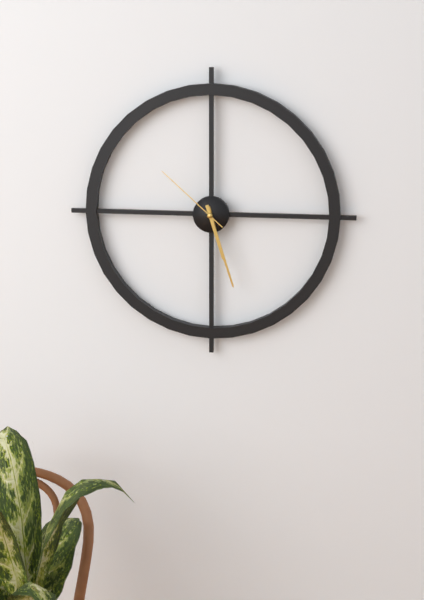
5:27:52
